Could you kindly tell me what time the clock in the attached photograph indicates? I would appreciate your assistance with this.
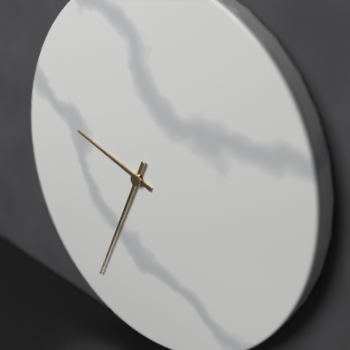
9:34
